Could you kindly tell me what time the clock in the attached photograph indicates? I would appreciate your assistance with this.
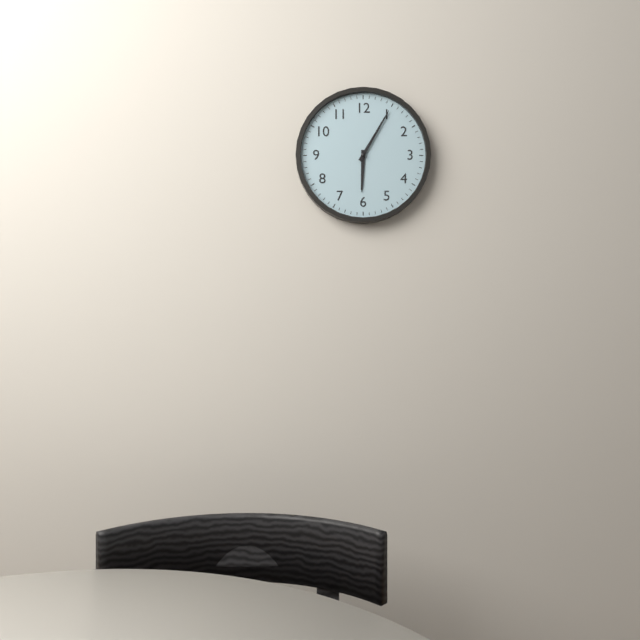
6:05
